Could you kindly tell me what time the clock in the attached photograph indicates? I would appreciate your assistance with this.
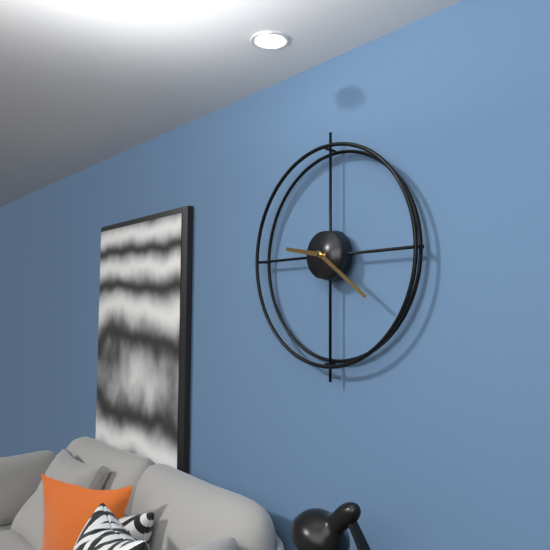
9:21
